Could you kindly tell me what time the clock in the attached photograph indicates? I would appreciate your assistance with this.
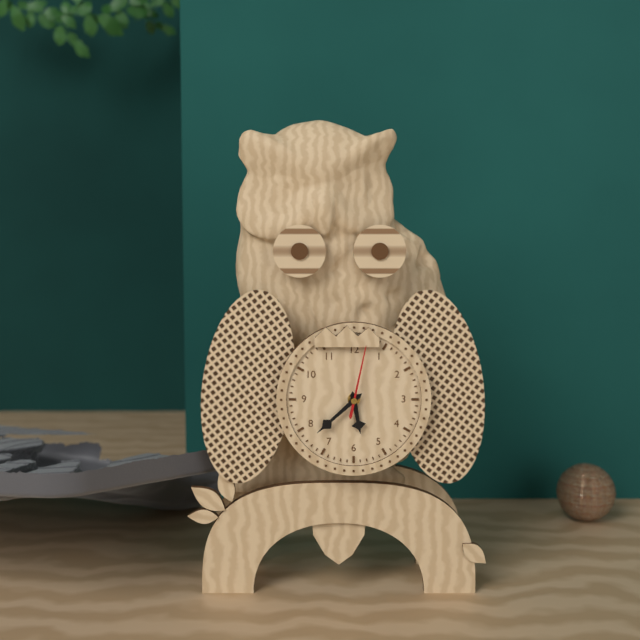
5:38:02
